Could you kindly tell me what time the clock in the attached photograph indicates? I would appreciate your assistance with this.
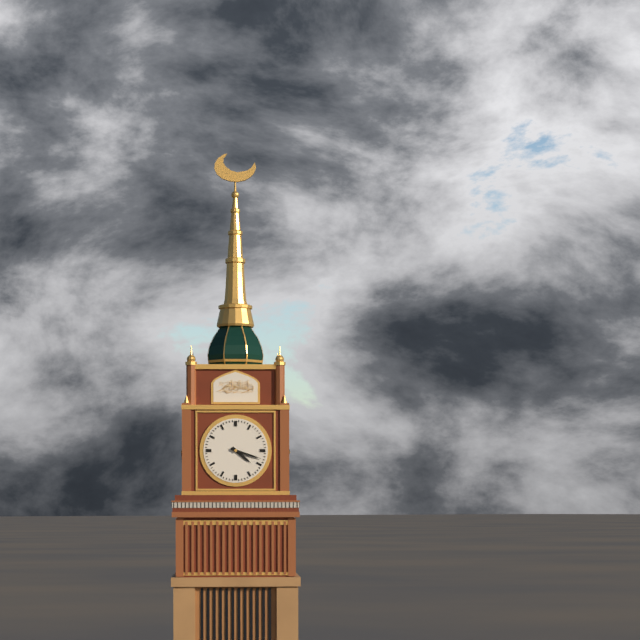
4:18
